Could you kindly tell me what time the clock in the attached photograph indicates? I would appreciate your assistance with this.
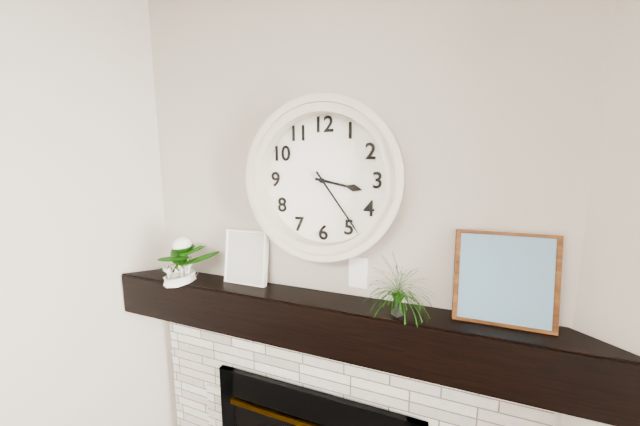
3:24
